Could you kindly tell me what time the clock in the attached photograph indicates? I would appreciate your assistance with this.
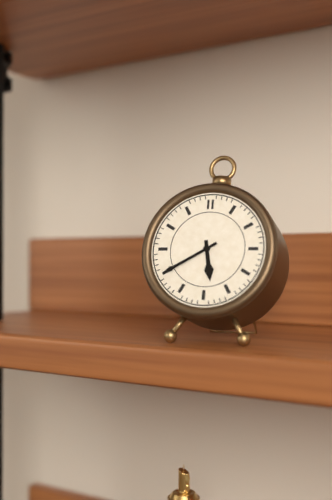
5:40
